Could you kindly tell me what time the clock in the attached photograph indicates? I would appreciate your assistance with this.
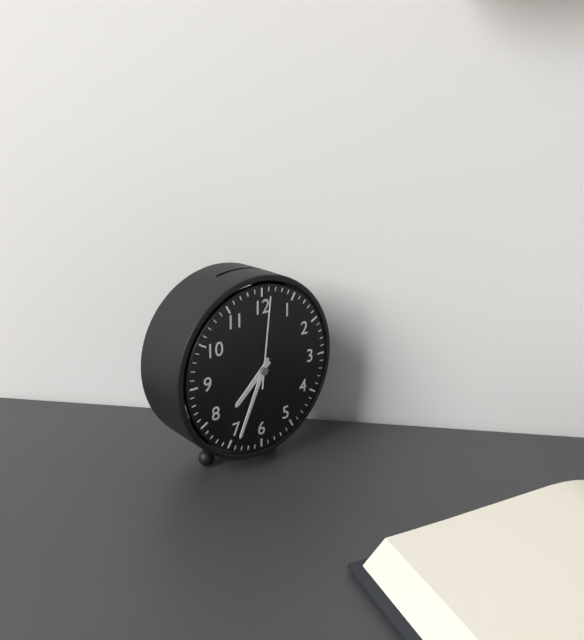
7:34:01
